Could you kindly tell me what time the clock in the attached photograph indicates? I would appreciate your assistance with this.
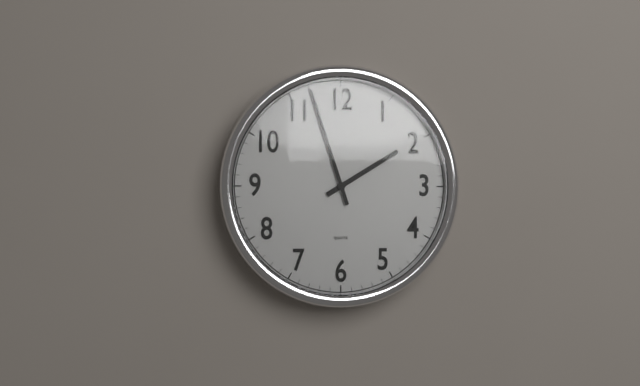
1:57
